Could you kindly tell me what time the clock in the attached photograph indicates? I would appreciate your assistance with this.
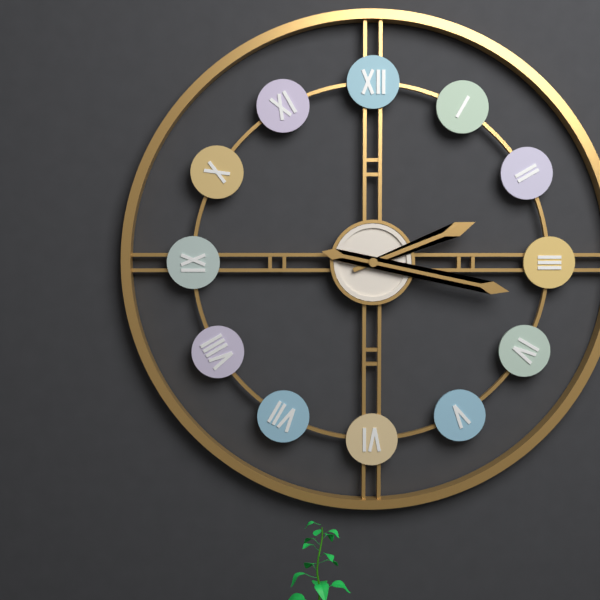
2:17
